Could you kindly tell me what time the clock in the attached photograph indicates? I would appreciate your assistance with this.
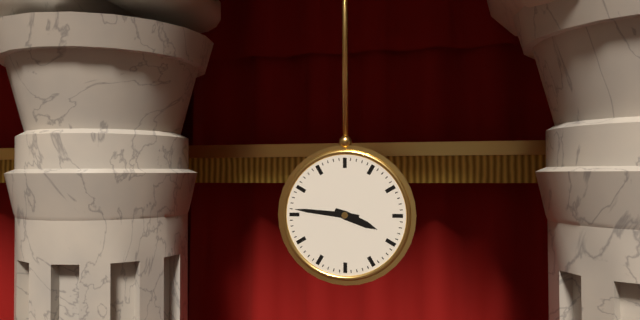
3:46
